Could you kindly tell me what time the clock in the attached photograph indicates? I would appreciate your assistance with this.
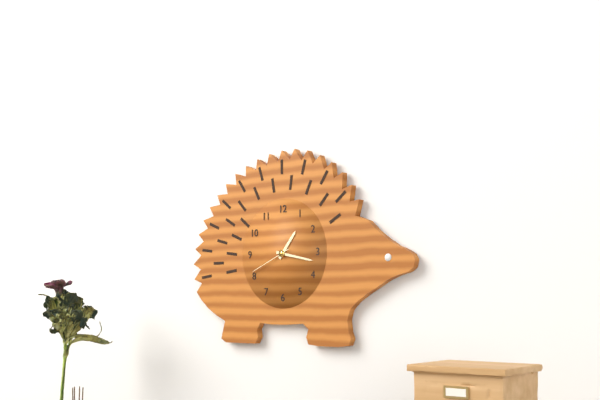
1:17
